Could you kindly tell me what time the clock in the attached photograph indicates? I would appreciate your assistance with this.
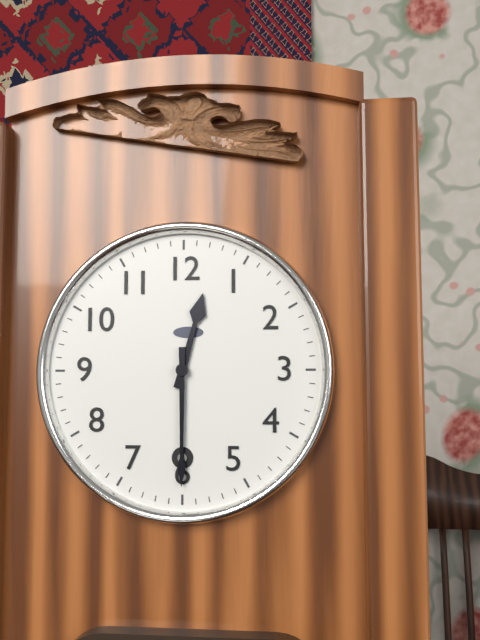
12:30
